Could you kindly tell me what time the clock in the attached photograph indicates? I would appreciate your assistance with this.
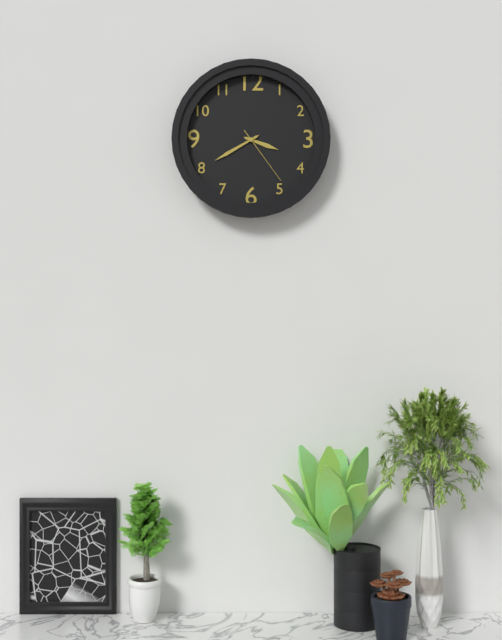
3:40:24
